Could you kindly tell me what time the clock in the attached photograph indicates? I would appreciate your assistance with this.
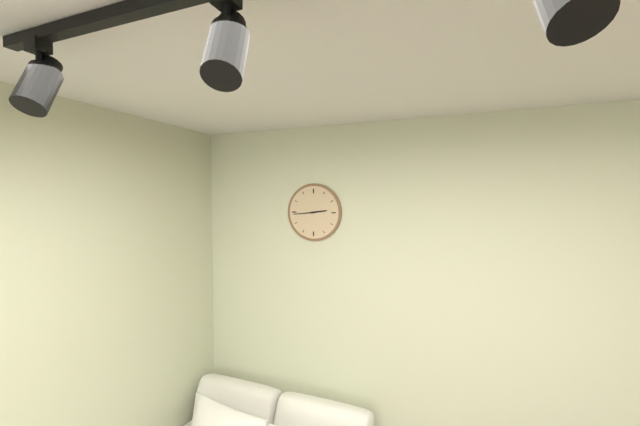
2:44
